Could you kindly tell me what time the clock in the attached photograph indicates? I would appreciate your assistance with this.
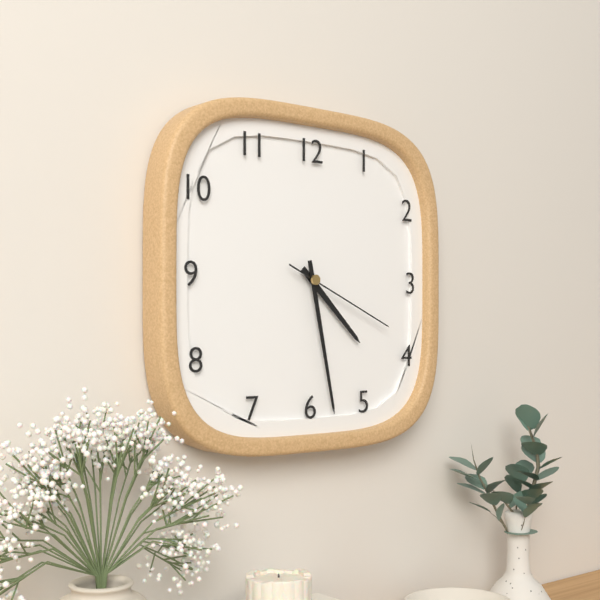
4:28:19
